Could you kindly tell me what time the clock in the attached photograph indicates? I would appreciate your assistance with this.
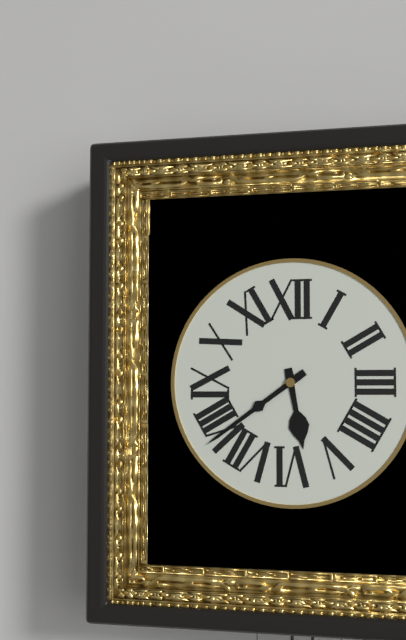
5:39
